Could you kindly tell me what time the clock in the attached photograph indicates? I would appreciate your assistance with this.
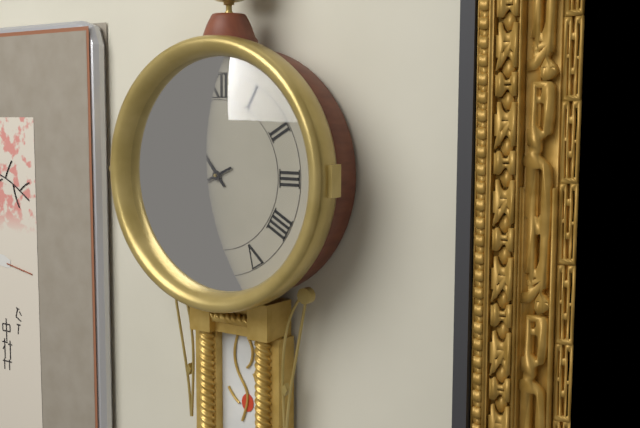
10:41
